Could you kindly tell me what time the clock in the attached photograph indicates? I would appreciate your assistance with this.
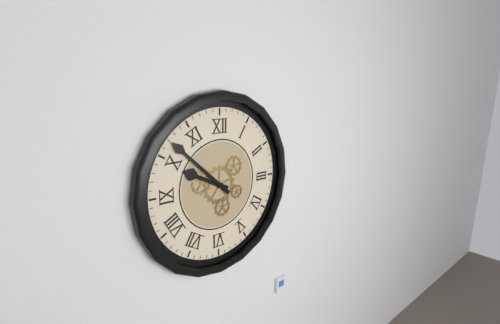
9:52
